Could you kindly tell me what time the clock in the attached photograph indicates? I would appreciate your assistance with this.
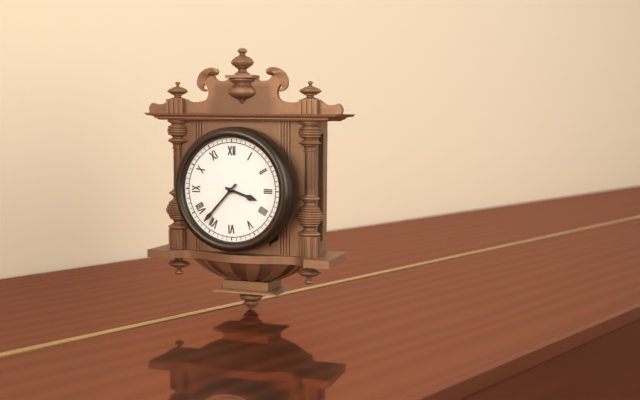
3:37
